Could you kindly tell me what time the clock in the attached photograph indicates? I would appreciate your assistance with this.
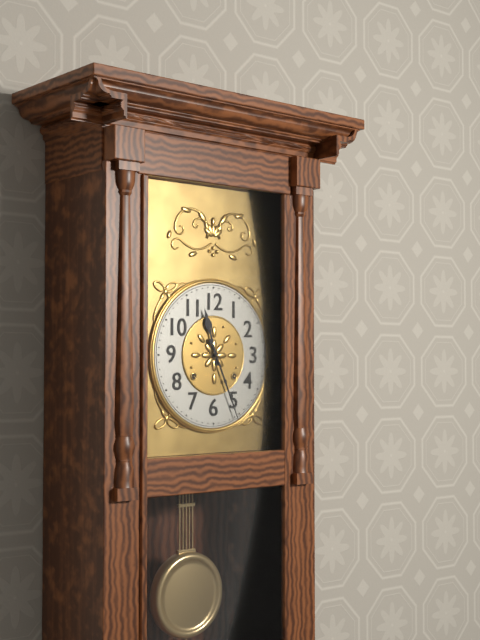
11:26
